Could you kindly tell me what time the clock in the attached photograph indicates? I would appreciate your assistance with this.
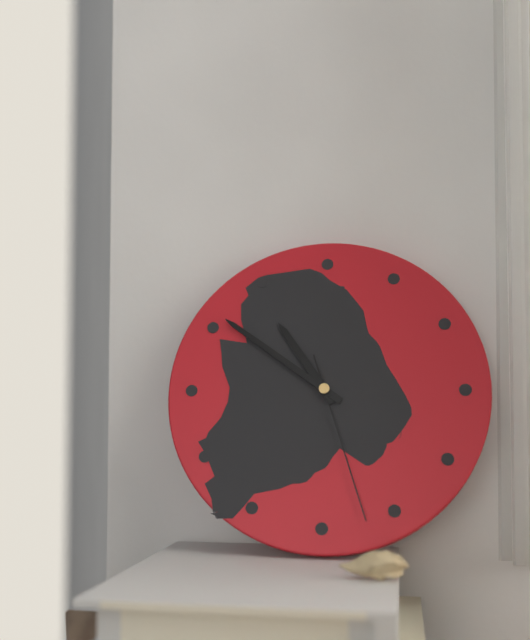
10:51:27
